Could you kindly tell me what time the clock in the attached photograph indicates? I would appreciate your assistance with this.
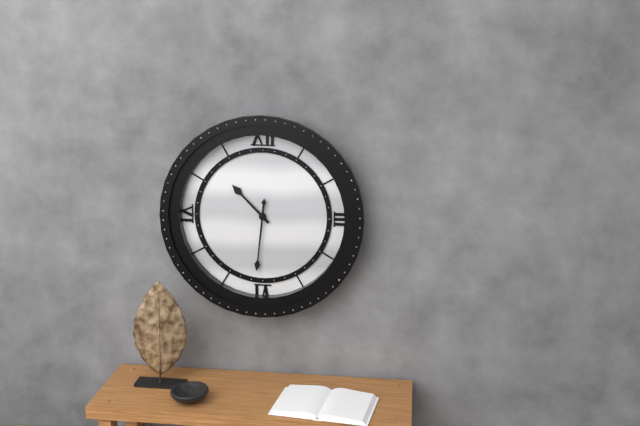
10:31
